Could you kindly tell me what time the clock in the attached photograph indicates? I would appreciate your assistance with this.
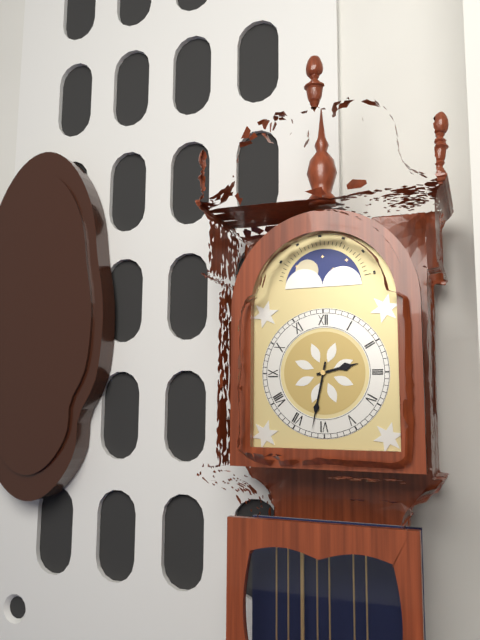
2:32
